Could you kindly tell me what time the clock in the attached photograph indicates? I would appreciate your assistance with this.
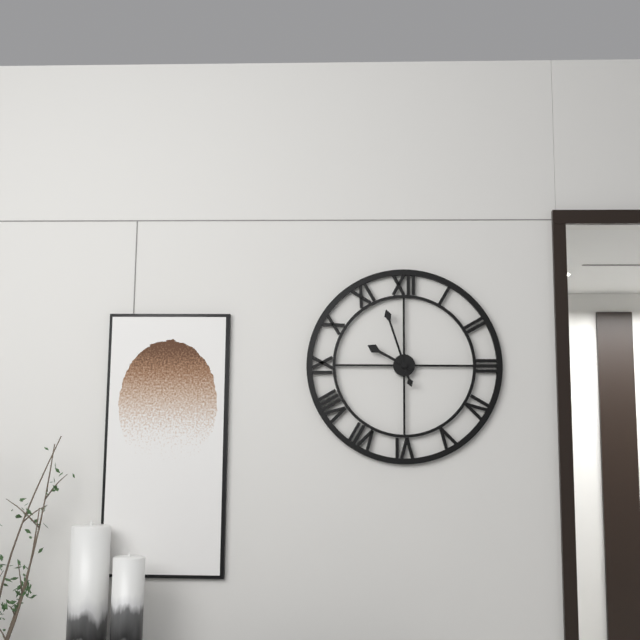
9:57
